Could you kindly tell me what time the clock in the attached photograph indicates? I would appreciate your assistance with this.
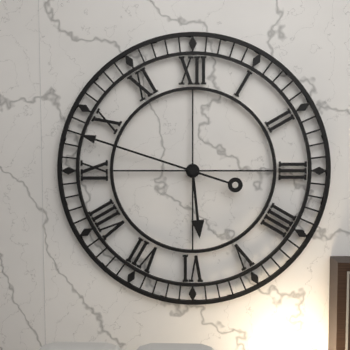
5:48
